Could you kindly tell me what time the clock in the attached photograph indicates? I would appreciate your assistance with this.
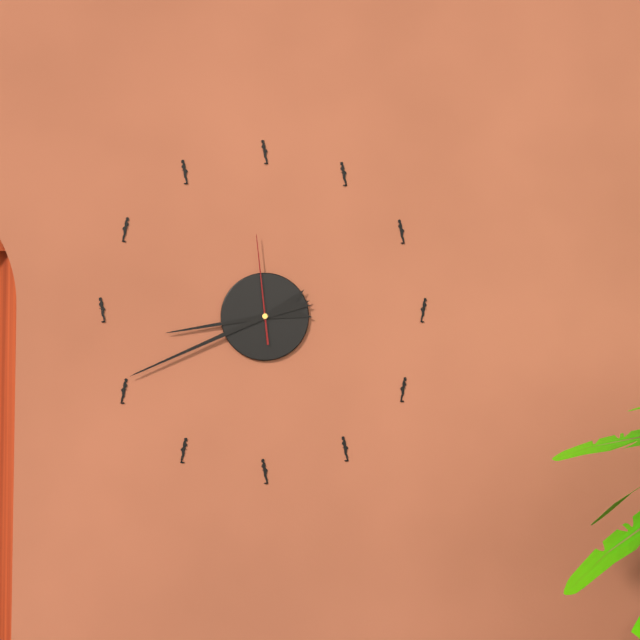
8:41:59
